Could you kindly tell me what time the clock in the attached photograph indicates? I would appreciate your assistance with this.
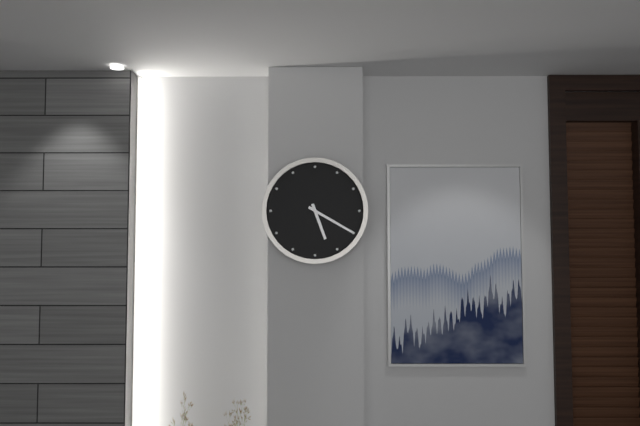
5:20
